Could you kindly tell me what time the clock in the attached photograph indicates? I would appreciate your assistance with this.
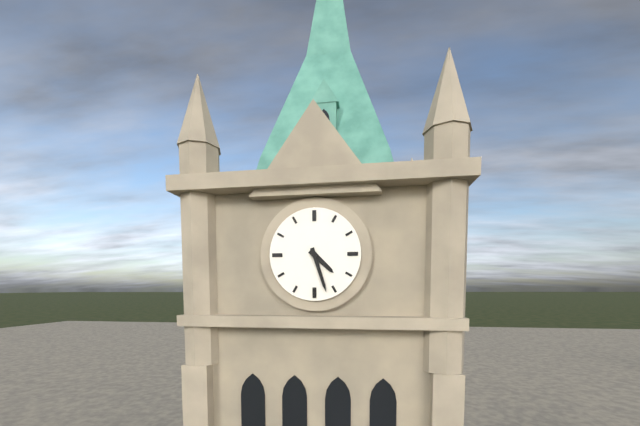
4:27
